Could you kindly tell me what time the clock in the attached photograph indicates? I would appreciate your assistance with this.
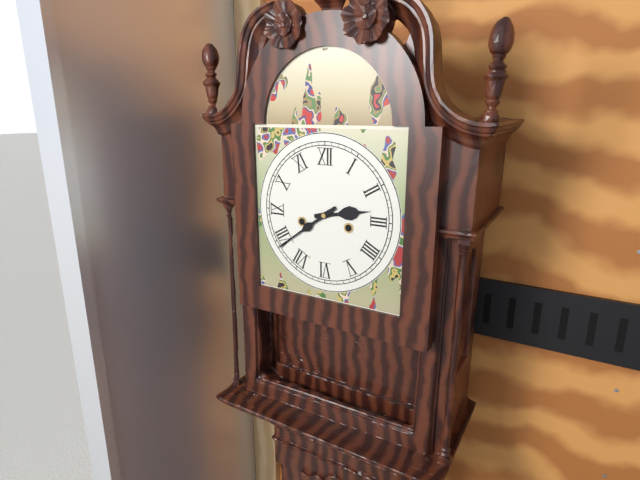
2:39
